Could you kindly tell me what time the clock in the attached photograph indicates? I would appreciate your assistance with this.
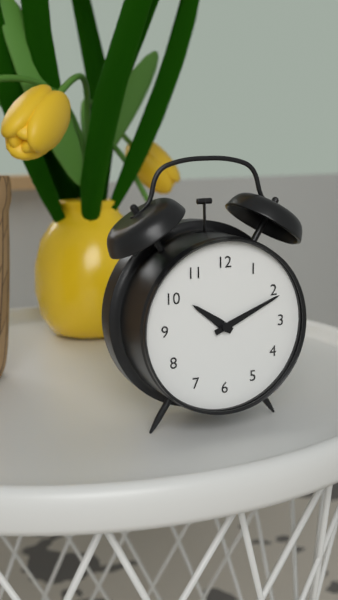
10:11
